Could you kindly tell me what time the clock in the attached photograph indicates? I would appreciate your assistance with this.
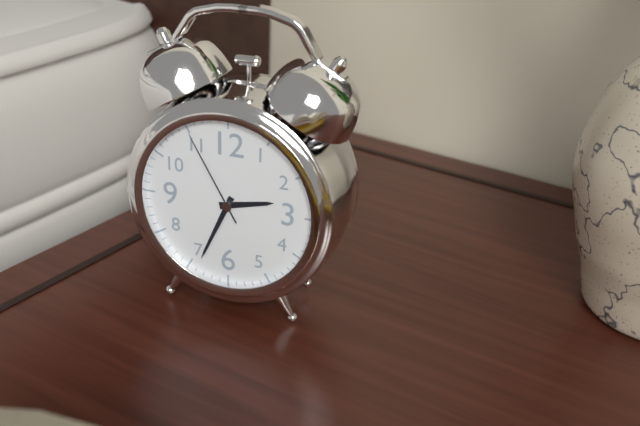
2:34:55
